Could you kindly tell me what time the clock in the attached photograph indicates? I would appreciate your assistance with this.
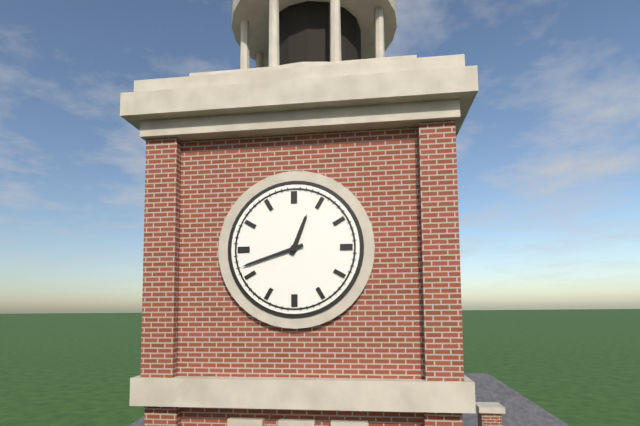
12:42
